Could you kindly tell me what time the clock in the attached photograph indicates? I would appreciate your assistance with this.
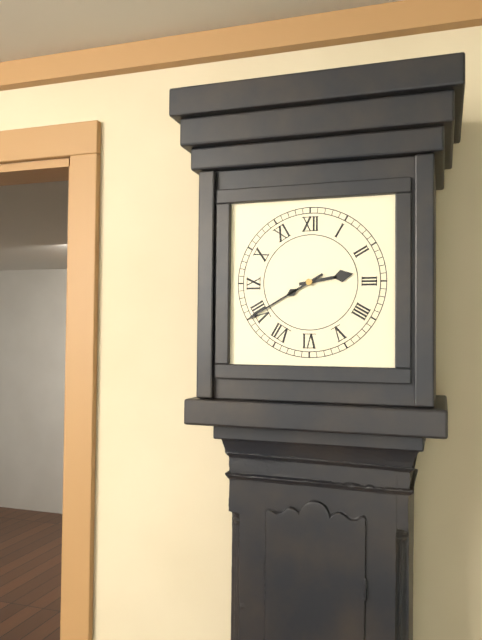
2:40
